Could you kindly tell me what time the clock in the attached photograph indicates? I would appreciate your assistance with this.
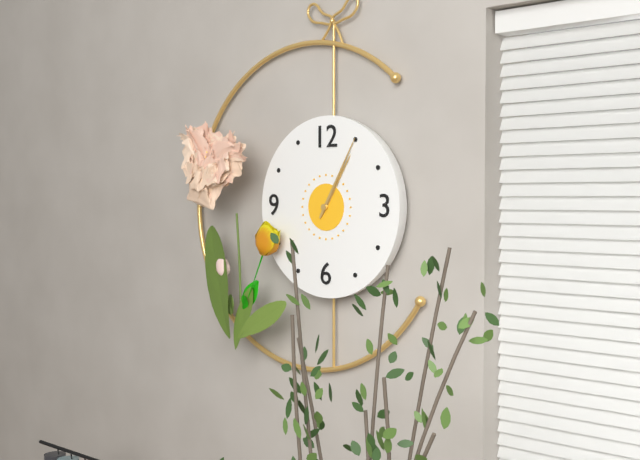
1:05
